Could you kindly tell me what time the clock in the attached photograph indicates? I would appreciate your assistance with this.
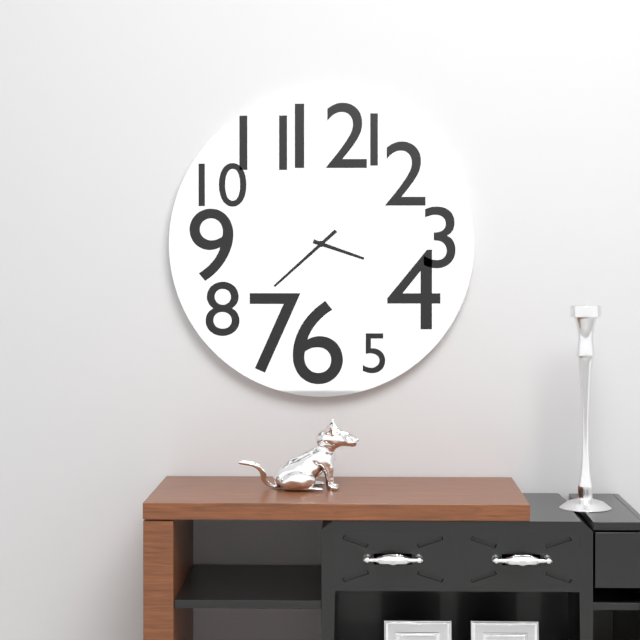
3:38
